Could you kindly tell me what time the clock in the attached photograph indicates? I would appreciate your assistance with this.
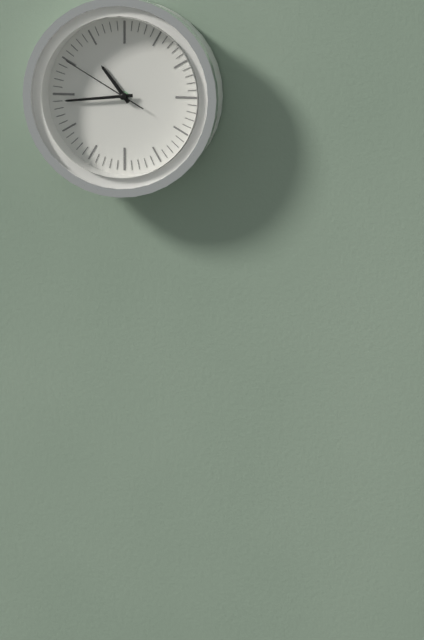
10:44:50
